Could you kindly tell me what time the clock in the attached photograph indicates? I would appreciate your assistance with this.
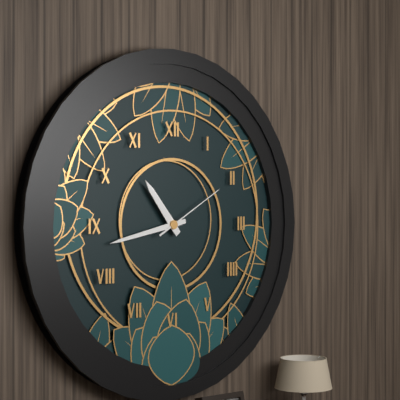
10:43:10
